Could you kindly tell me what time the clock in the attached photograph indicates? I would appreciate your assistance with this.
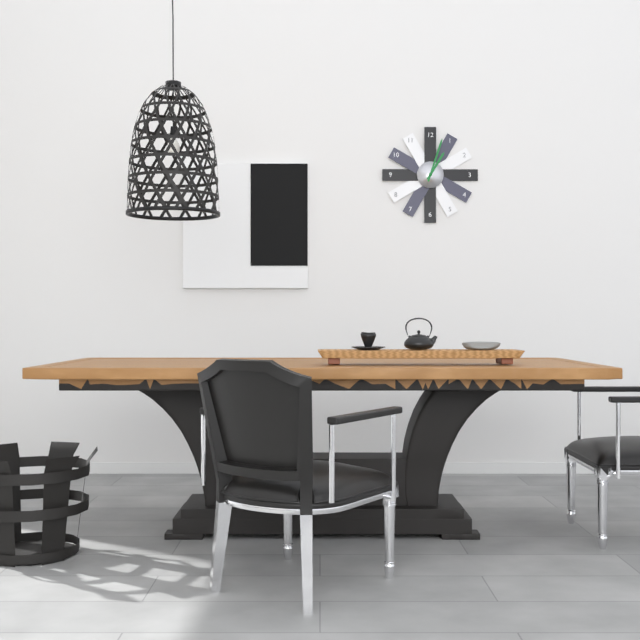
1:03
